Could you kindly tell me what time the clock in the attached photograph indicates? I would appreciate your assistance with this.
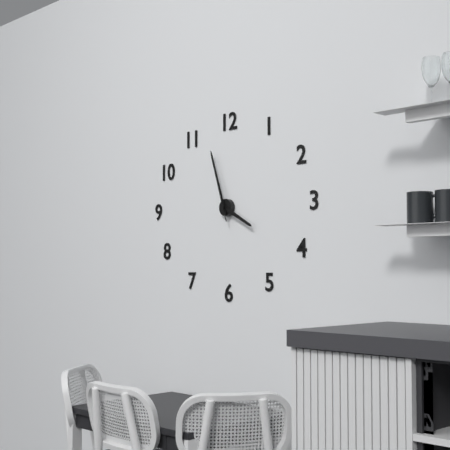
3:57:57
